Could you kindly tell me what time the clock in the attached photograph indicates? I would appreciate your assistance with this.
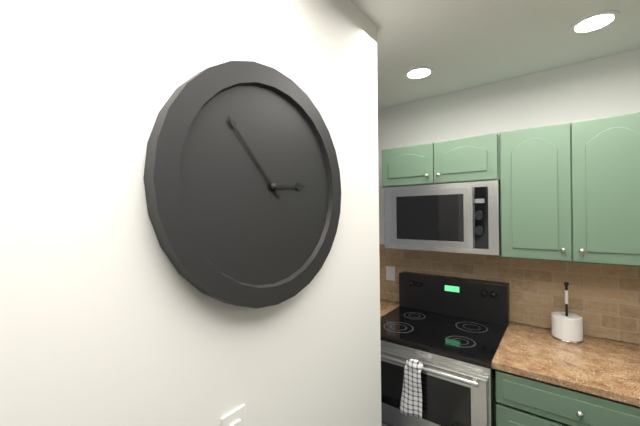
2:53
